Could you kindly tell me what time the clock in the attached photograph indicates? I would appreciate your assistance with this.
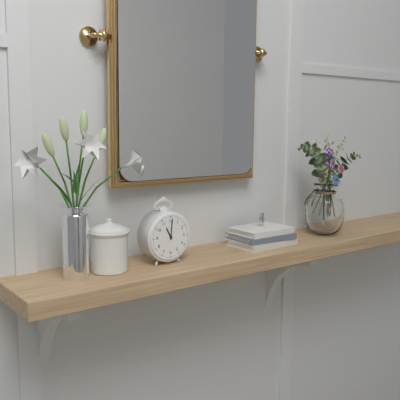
11:01
